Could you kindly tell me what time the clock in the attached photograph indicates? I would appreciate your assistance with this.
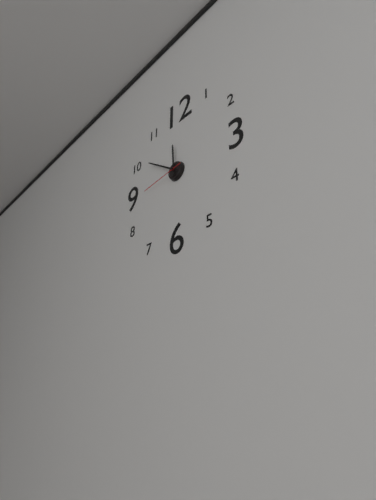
11:51
